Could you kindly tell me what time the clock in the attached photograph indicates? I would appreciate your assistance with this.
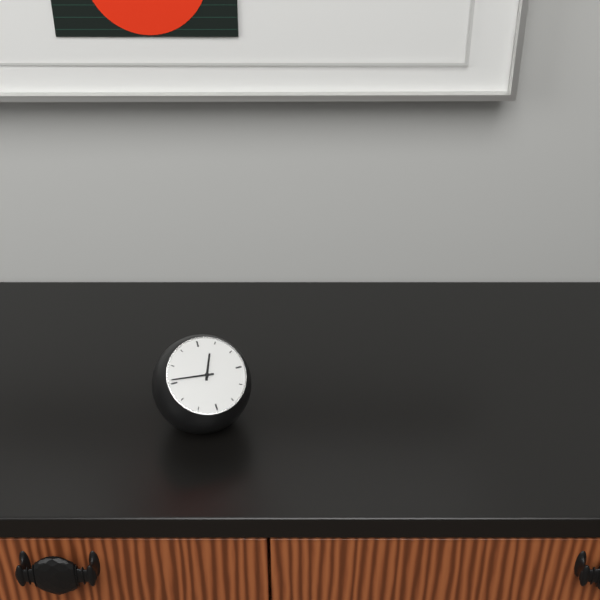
12:46
